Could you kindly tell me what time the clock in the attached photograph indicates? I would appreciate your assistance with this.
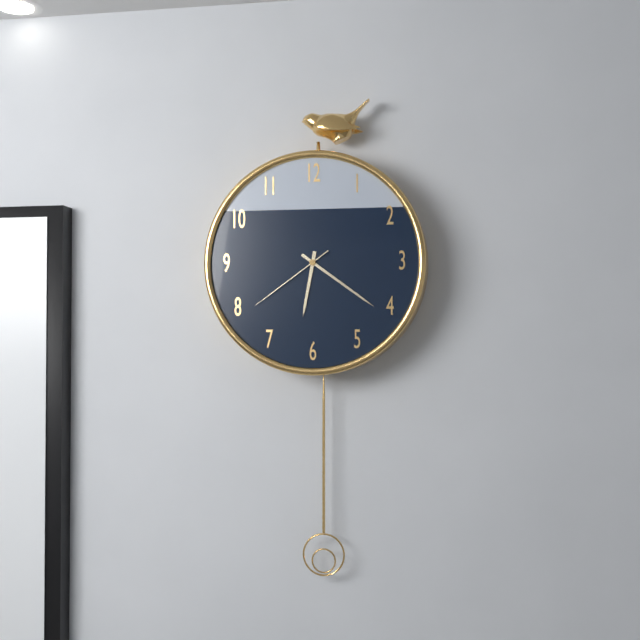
6:21:39
